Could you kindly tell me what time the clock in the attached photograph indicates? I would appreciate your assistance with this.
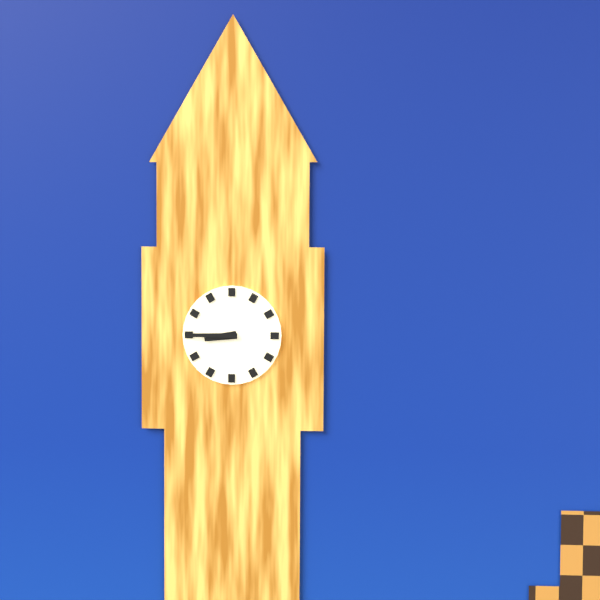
8:45
